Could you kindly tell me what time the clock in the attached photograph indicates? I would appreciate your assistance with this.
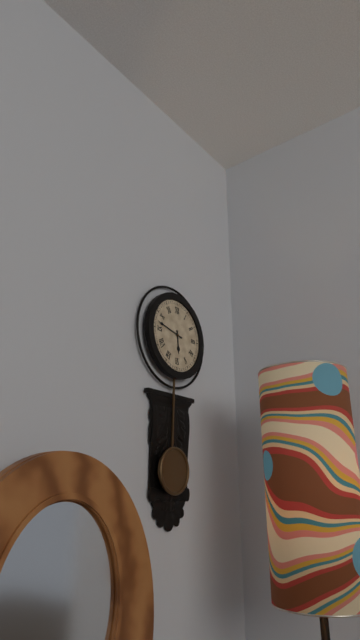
5:47
